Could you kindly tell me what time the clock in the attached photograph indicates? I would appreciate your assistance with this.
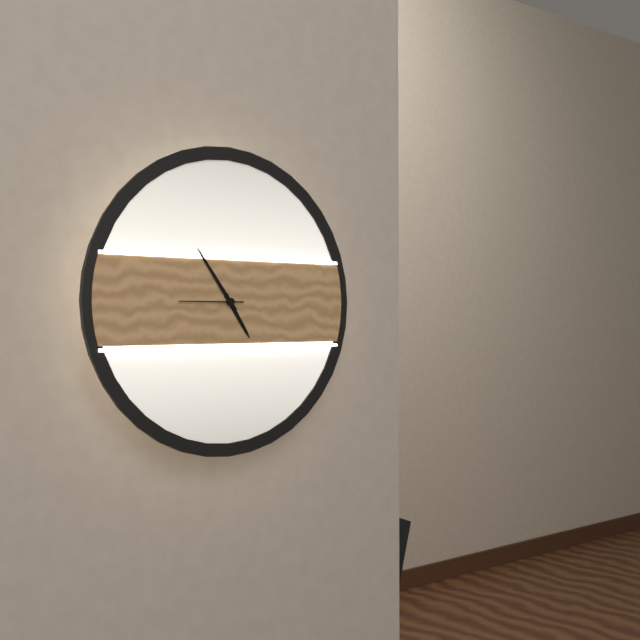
4:54:45
